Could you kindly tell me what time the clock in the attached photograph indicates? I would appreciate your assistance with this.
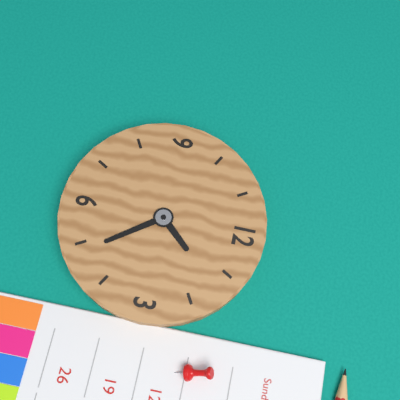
1:24
